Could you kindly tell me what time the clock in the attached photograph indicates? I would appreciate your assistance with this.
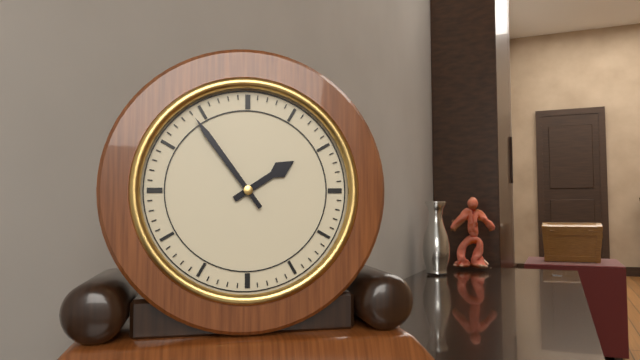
1:54
